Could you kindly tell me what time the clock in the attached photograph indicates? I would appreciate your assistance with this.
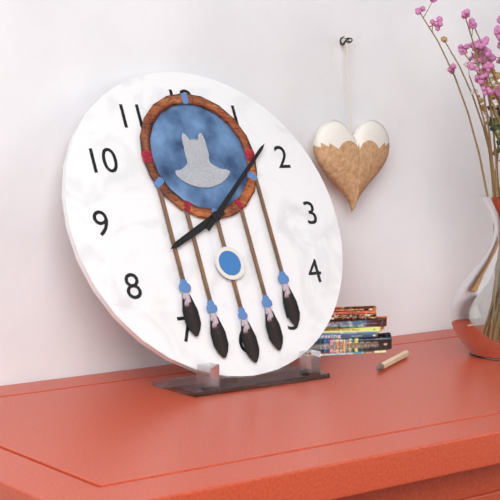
8:08
